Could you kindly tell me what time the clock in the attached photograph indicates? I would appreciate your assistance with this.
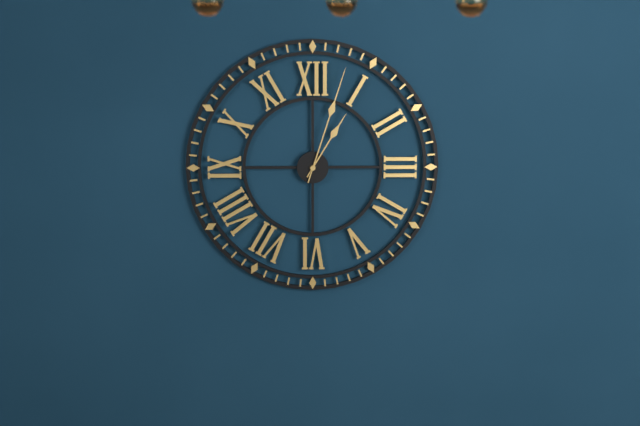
1:03
